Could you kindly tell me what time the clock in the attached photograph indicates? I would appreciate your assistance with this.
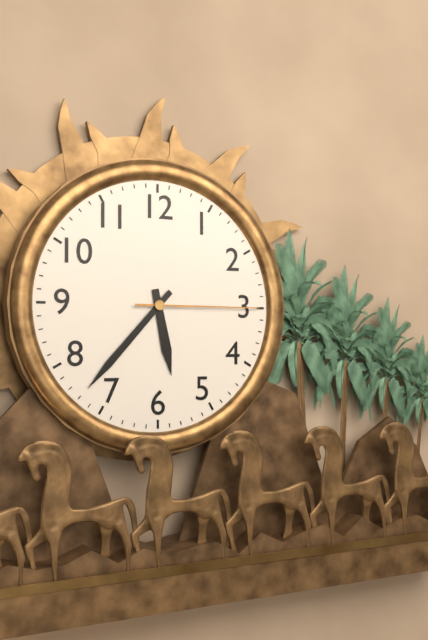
5:37:15
